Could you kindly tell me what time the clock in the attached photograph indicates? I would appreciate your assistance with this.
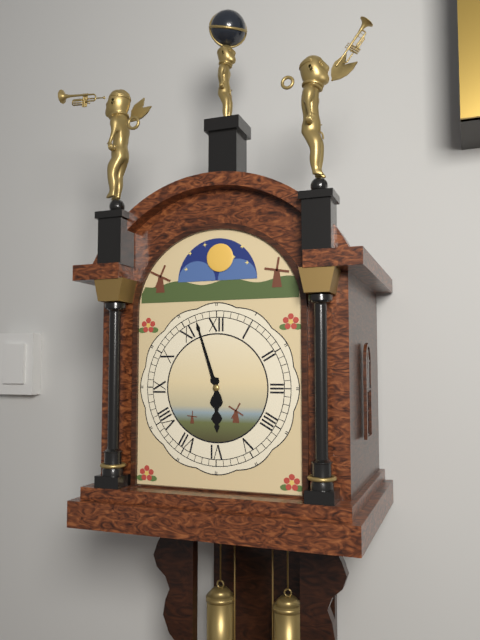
5:57
